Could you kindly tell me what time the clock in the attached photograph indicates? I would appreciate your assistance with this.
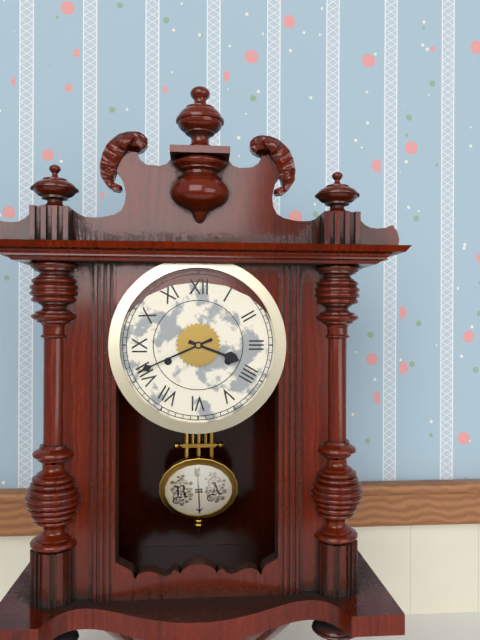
3:41
